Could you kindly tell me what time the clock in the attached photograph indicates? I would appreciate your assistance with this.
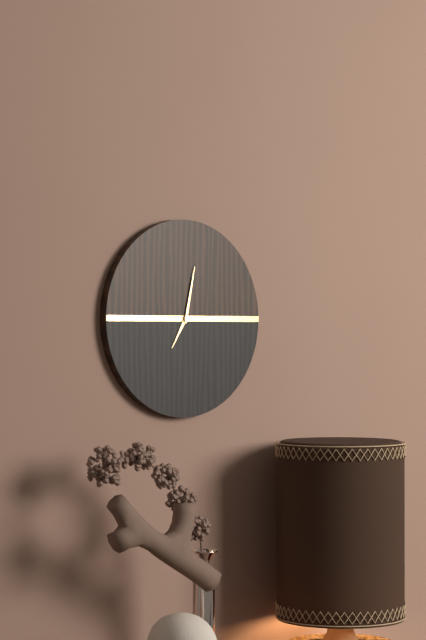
7:02
